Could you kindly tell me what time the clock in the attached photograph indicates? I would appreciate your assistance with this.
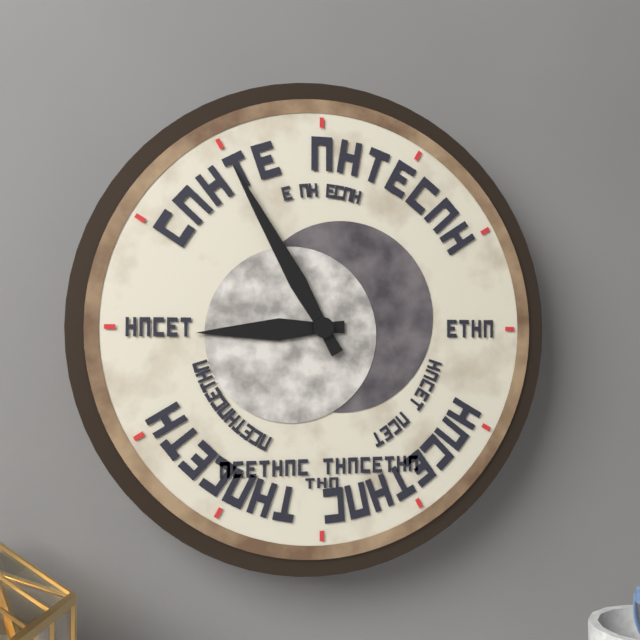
8:55
